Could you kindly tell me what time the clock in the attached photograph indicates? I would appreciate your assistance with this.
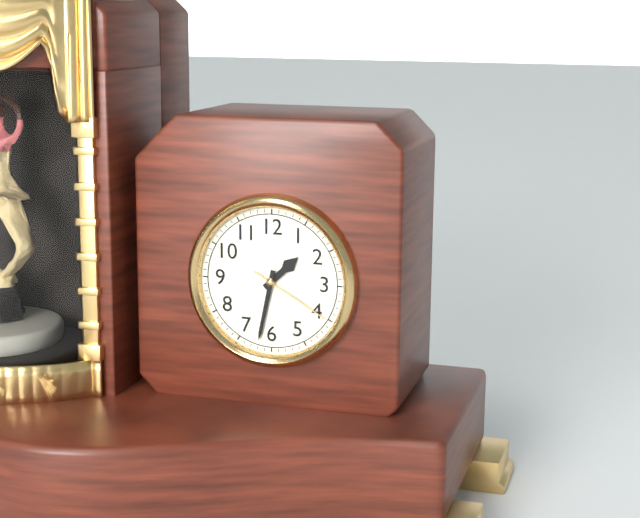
1:32:20
